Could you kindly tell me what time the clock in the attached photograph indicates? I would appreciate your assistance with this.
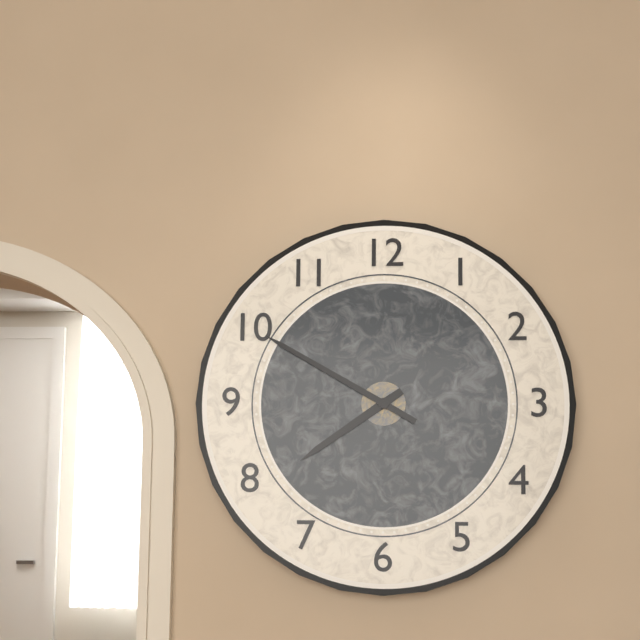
7:50
